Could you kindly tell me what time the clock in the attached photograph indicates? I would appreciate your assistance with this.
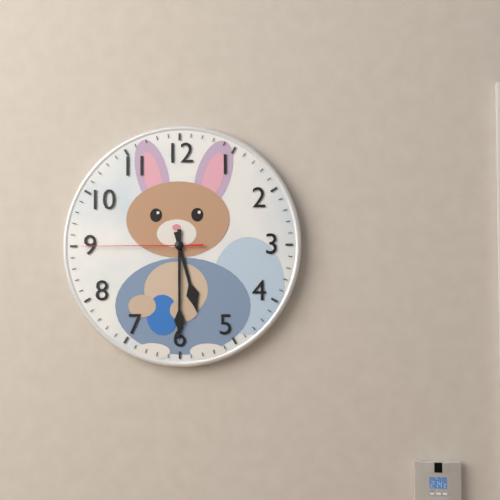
5:30:45
